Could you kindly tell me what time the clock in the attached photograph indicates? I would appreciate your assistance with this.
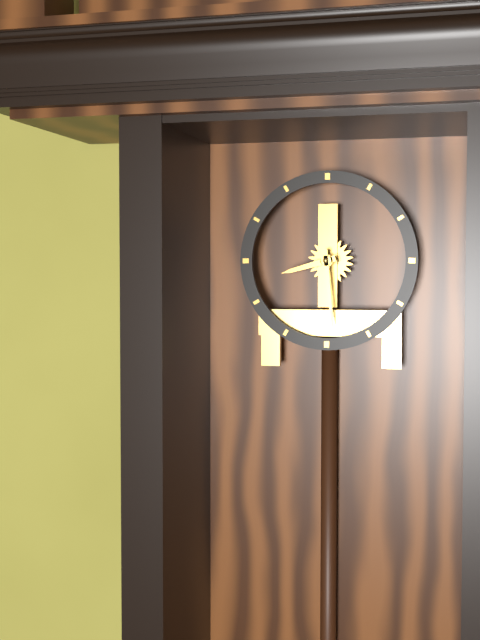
8:29
